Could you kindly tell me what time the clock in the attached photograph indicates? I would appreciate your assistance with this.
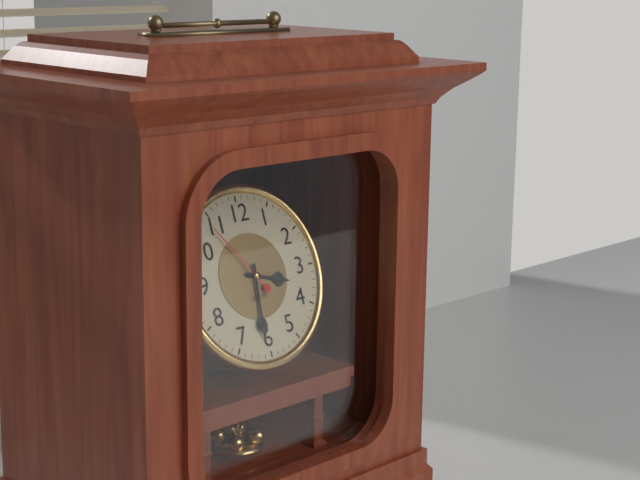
3:31:54
